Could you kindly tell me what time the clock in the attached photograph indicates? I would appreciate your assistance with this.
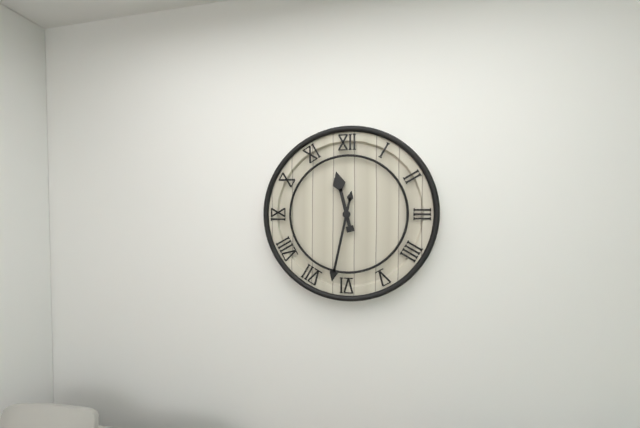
11:32
